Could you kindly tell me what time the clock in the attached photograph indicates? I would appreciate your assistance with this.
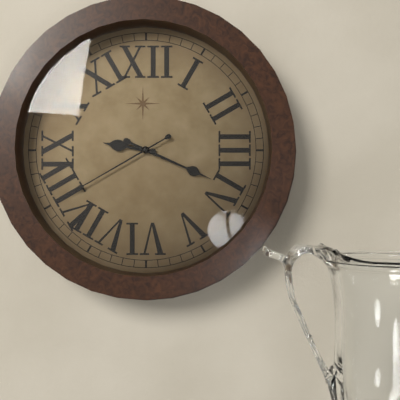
9:19:40
